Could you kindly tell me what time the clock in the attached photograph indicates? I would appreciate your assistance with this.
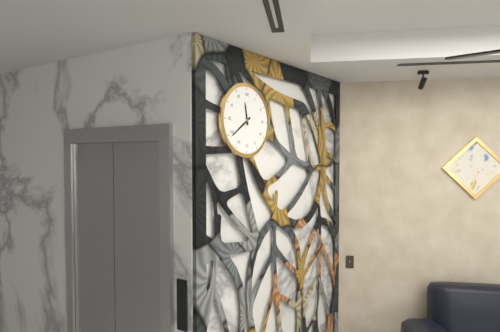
11:39
